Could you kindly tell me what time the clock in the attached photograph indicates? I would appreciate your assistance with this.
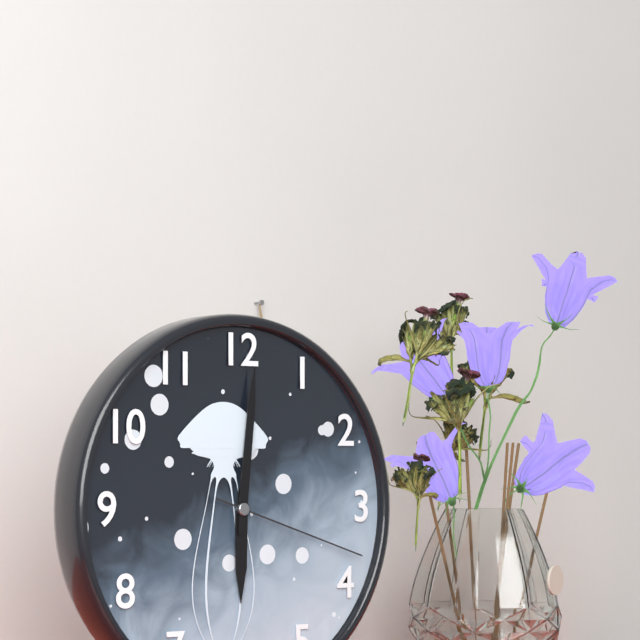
6:01:18
